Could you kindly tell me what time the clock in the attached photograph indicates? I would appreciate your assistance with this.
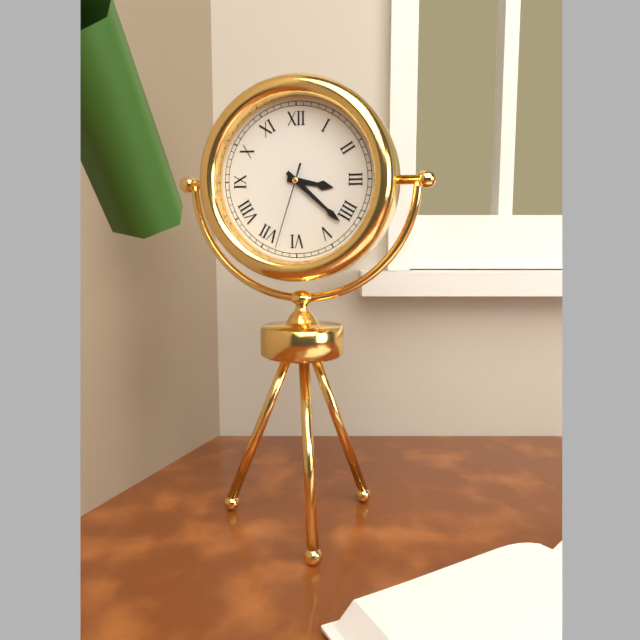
3:22:33
